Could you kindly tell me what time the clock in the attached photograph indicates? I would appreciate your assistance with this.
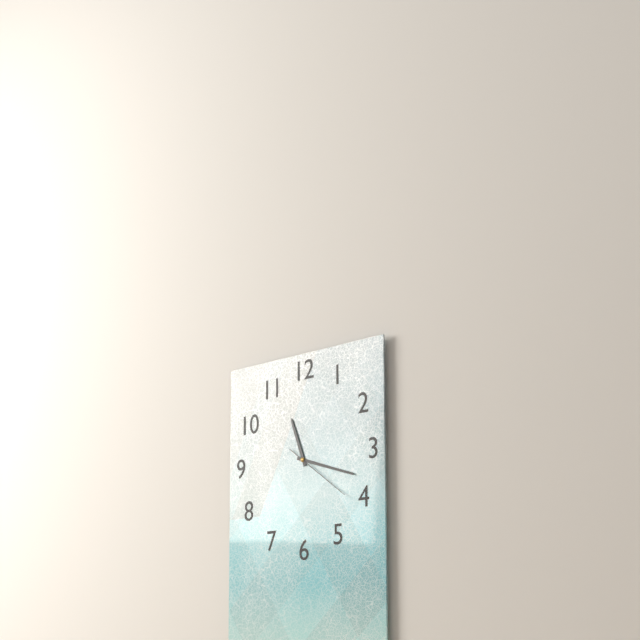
11:18:21
